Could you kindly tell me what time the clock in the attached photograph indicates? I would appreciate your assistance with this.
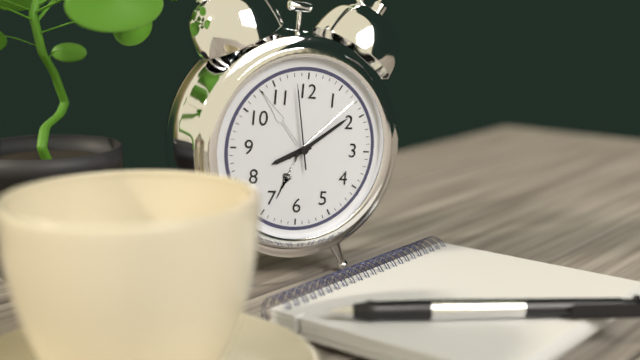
8:09:58
